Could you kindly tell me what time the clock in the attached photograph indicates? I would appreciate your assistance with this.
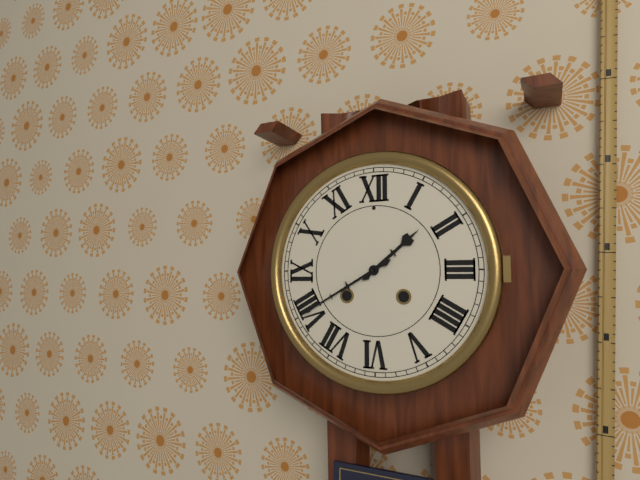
1:40
